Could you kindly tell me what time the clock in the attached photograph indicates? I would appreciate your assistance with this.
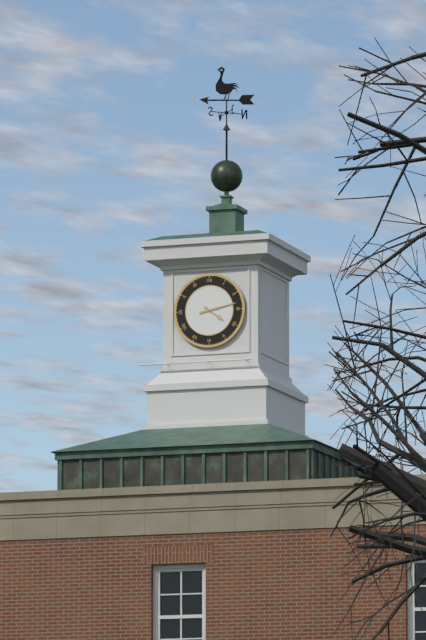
4:13
